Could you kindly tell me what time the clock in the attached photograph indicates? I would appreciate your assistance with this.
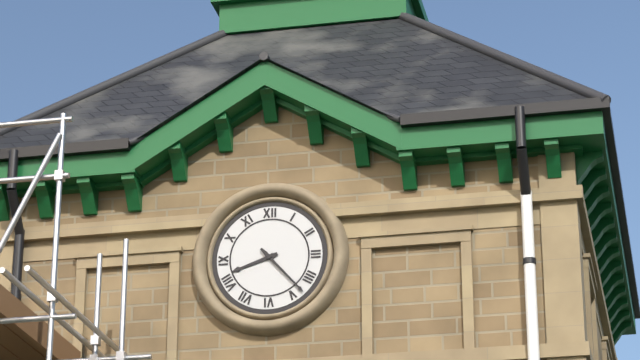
8:23
